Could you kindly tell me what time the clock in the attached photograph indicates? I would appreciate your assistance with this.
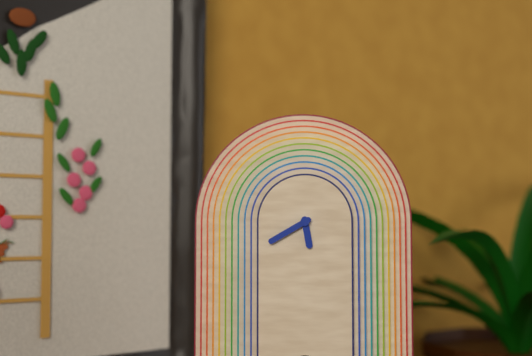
5:40
